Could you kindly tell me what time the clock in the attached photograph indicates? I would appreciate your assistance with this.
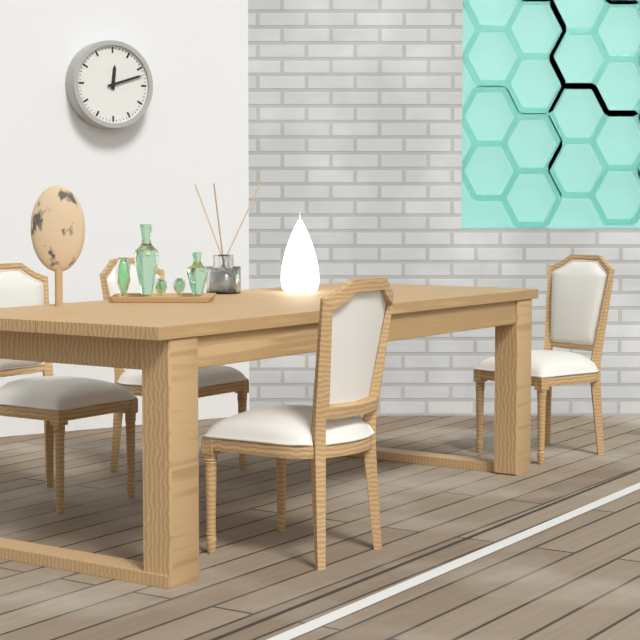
12:12
